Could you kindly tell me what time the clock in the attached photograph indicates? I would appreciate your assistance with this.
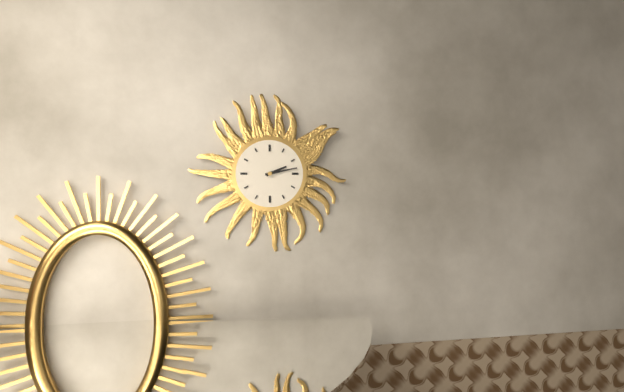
2:13
